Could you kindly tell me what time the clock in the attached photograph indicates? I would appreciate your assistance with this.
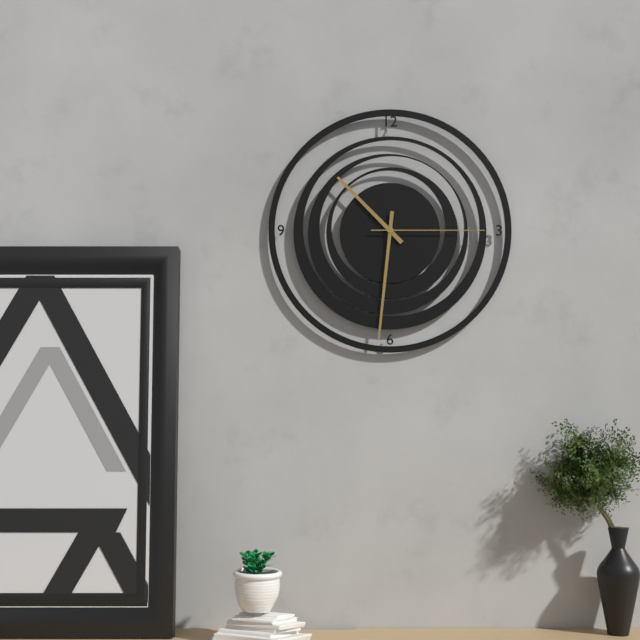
10:31:15
